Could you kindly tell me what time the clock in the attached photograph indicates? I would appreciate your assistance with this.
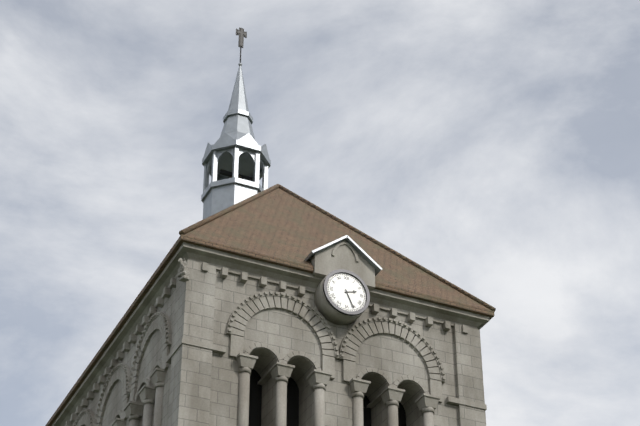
2:26
